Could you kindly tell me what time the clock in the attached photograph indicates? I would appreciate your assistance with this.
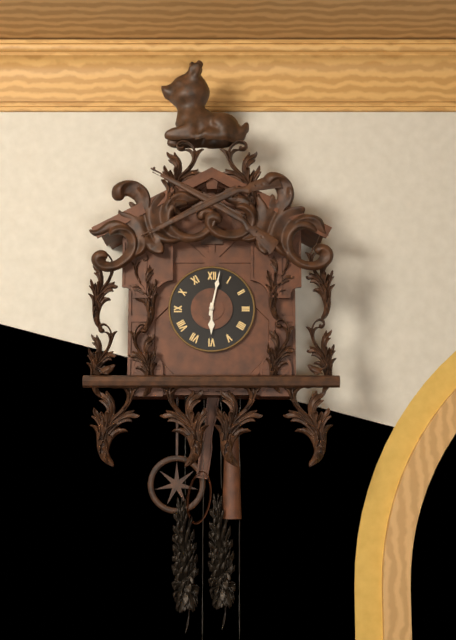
6:02
